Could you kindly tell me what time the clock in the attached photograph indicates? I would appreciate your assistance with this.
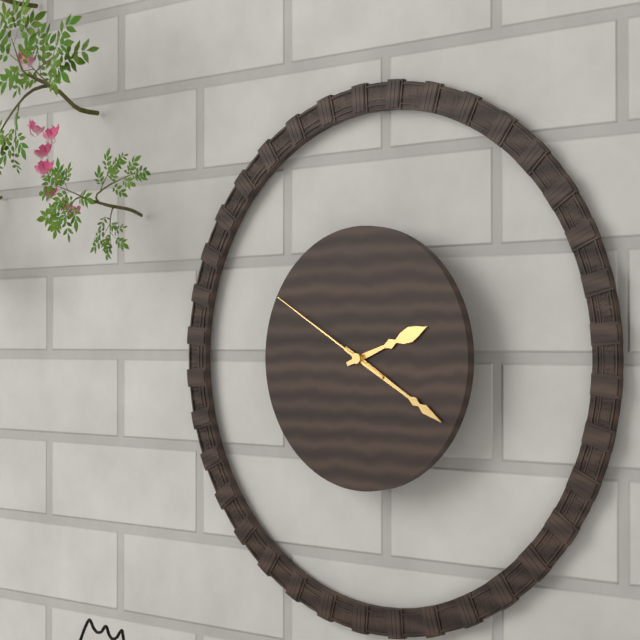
2:20:50
